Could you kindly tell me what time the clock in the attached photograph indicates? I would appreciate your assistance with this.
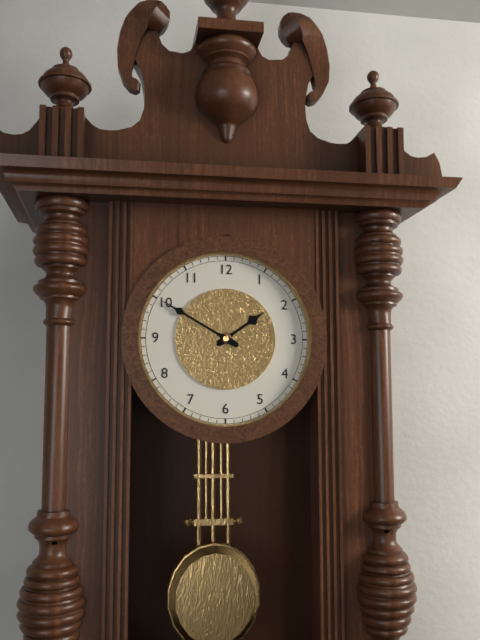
1:50
